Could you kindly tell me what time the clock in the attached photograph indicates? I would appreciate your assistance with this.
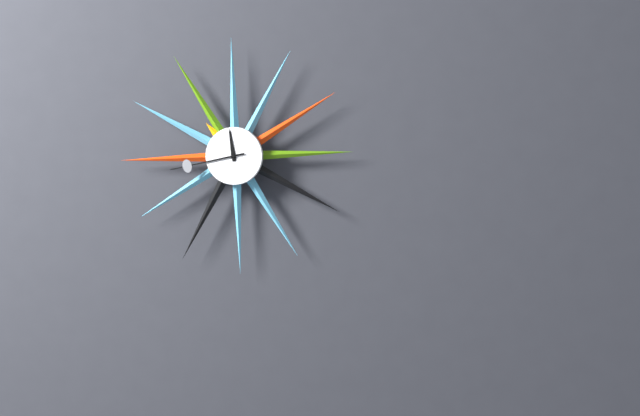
11:43
